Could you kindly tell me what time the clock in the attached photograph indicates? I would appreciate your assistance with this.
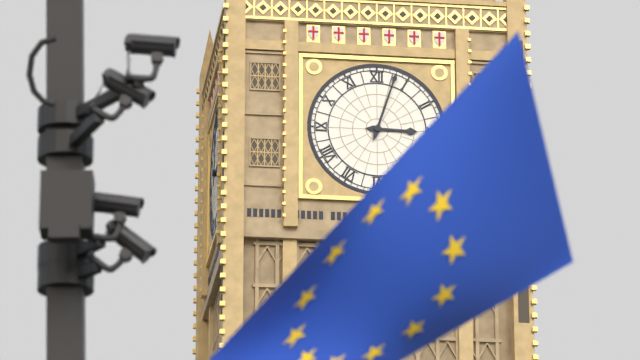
3:03
